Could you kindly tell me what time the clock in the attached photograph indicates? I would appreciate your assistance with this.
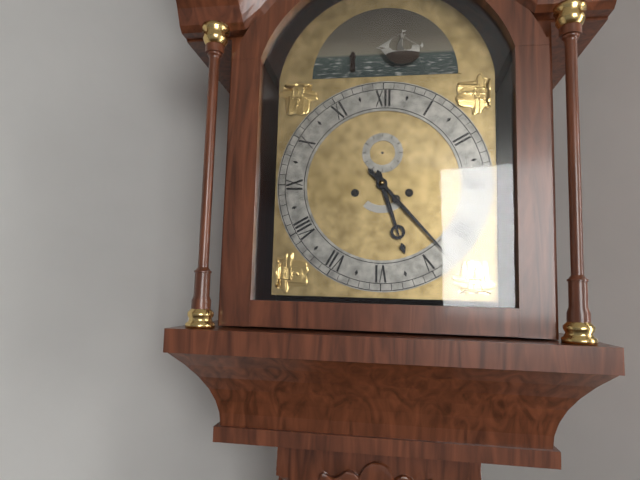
5:23
